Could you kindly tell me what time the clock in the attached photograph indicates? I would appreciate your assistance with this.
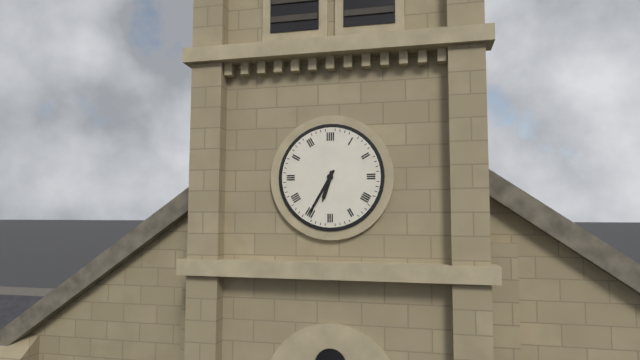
6:35
